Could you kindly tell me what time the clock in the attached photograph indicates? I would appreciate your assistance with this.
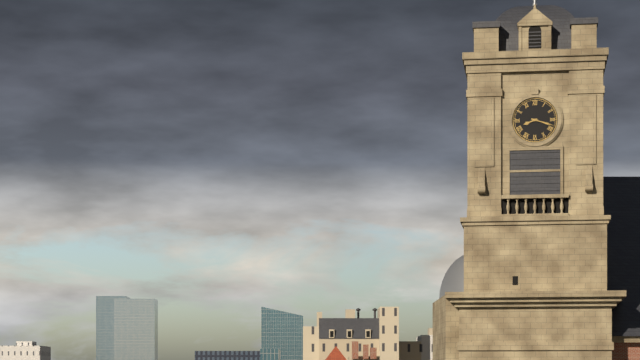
8:18
